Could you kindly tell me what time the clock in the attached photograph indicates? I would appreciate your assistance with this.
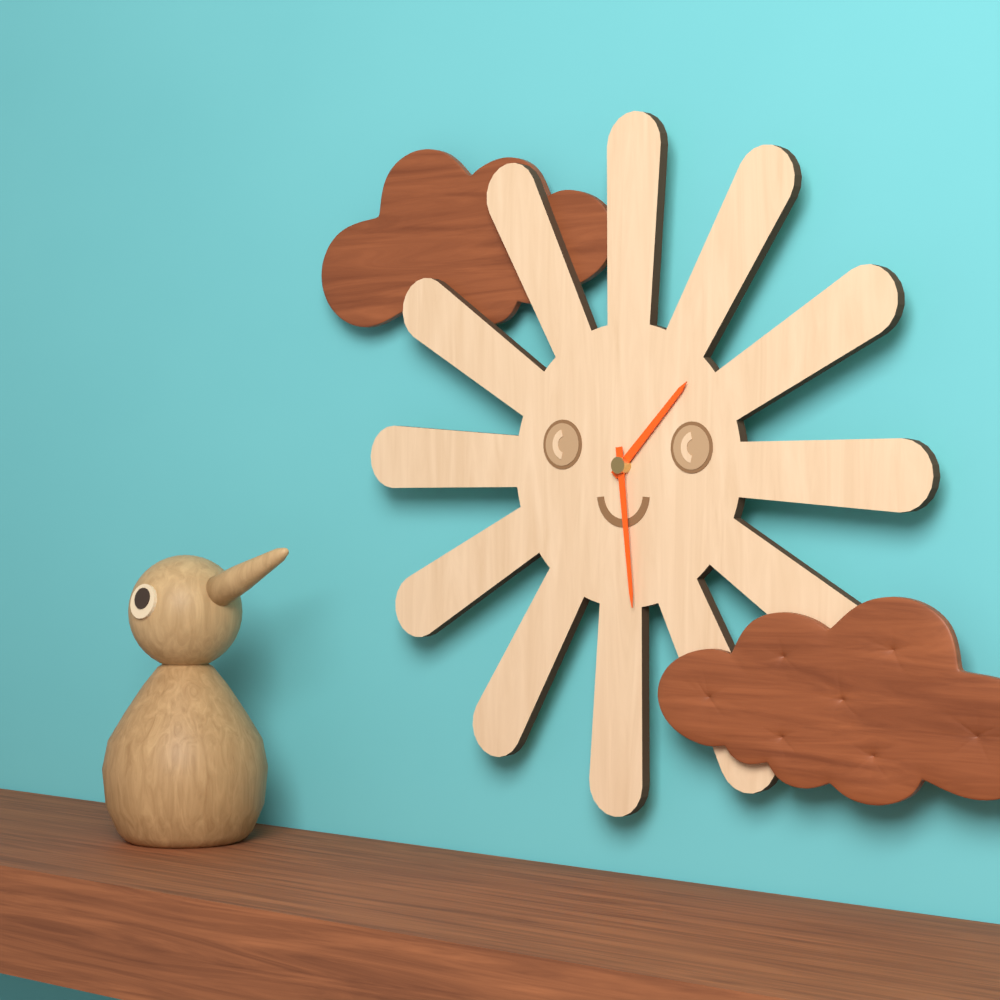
1:29
